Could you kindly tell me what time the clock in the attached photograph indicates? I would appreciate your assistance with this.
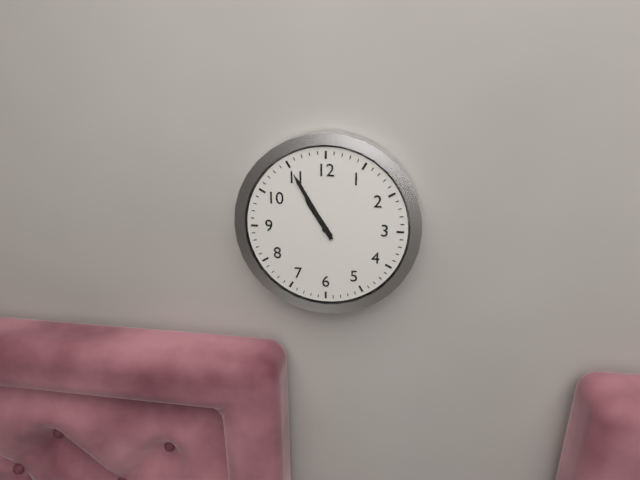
10:55
